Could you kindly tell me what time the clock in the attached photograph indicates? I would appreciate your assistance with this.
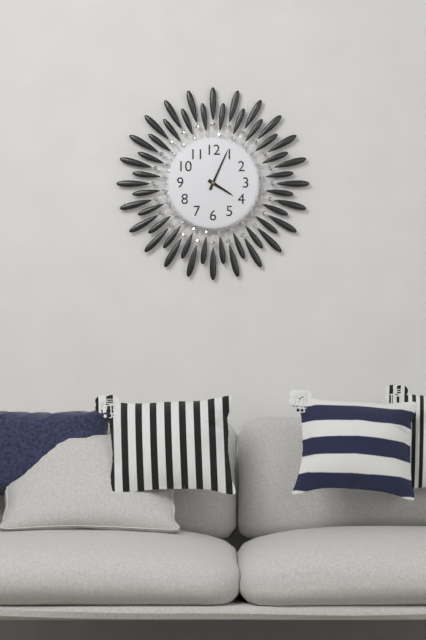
4:04
